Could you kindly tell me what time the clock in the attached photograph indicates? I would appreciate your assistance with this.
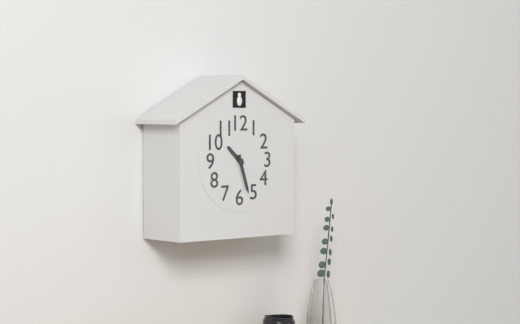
10:27
